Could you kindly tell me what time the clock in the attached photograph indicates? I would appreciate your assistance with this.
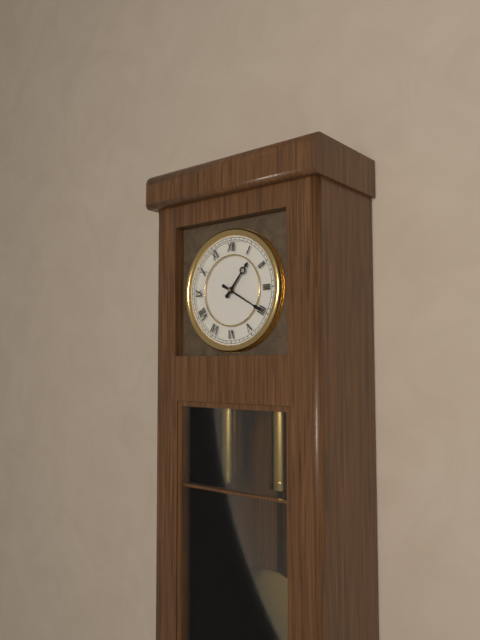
1:20
